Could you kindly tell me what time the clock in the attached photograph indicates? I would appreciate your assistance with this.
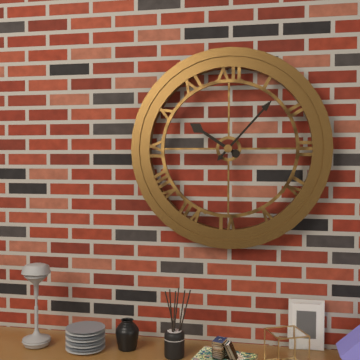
10:07
